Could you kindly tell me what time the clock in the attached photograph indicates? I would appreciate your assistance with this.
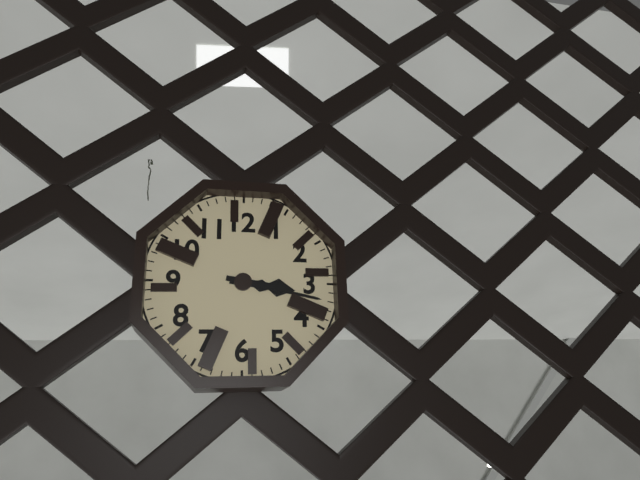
3:17
